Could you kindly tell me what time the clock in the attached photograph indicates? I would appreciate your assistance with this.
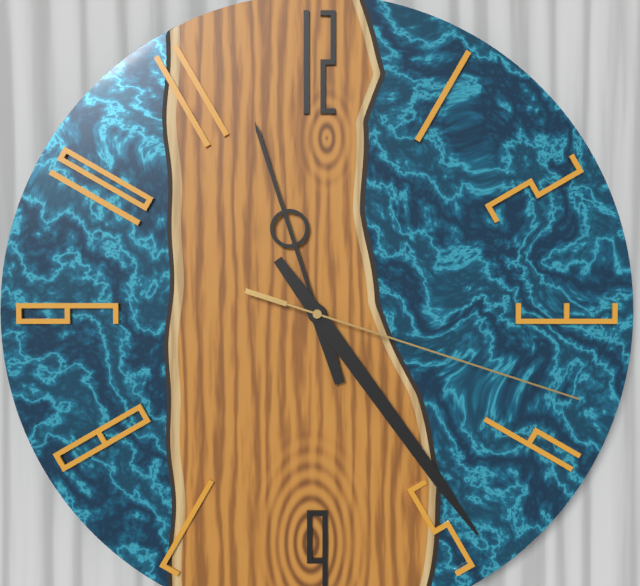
11:24:18
